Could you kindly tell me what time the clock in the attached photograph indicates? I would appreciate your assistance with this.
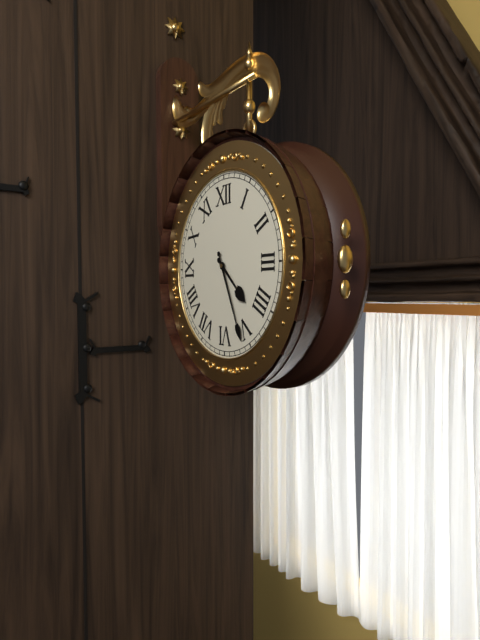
4:26
